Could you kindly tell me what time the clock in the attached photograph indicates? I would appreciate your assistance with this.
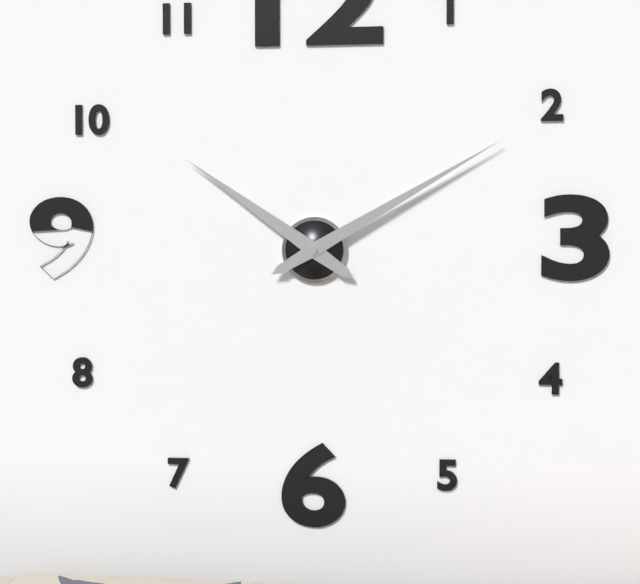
10:10
